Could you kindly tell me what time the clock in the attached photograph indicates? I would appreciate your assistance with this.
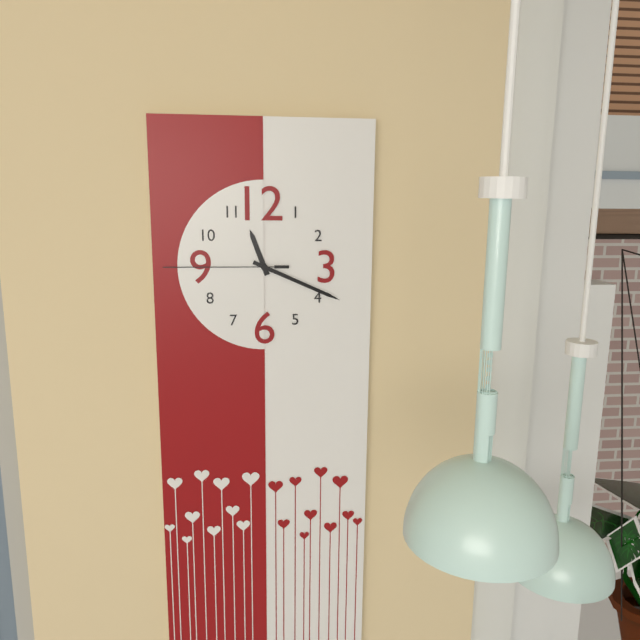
11:19:45
